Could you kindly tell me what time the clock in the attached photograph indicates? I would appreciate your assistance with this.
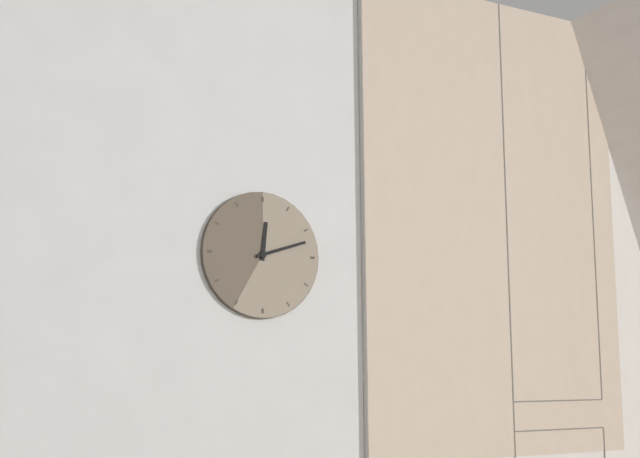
12:12
